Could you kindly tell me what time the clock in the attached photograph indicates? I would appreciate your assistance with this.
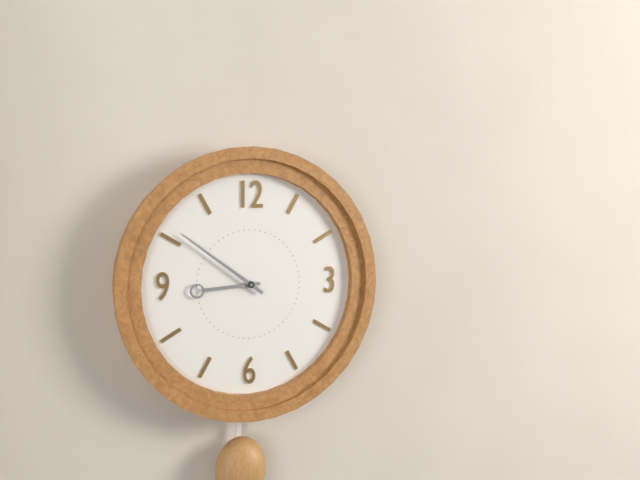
8:51
